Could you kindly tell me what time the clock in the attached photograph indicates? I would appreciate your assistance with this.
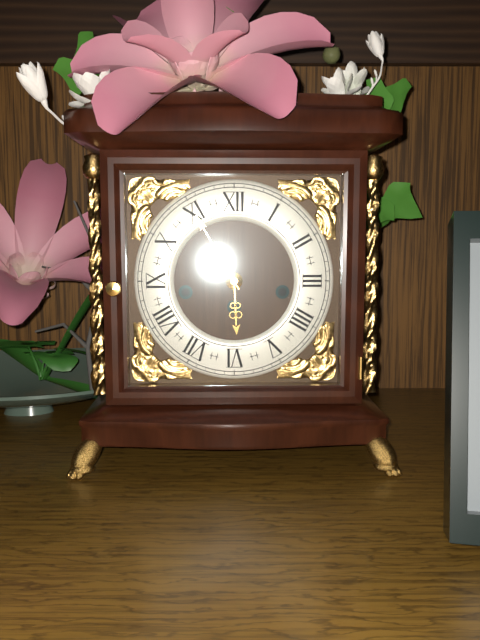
5:55
